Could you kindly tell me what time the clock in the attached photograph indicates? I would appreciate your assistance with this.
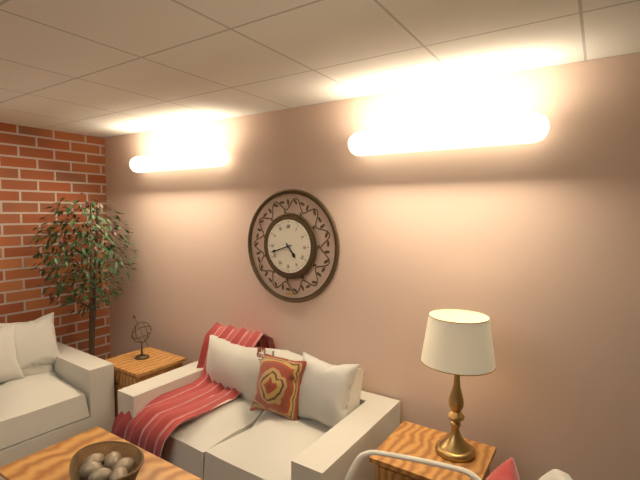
4:42
